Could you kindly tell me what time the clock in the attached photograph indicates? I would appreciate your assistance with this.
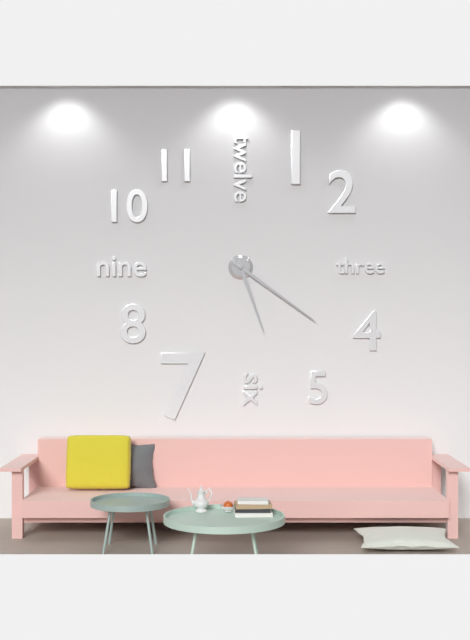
5:21
